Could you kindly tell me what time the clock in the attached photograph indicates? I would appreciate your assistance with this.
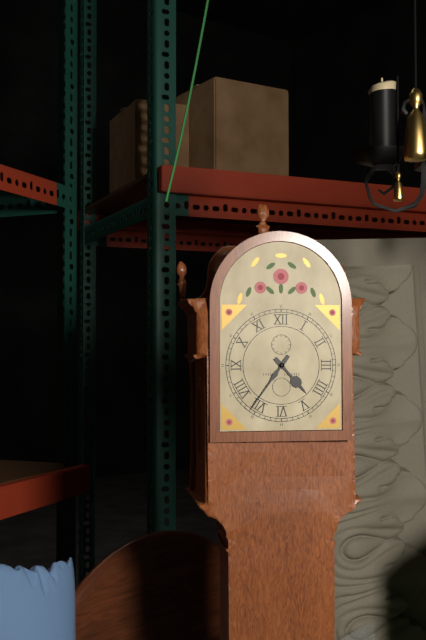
4:36
